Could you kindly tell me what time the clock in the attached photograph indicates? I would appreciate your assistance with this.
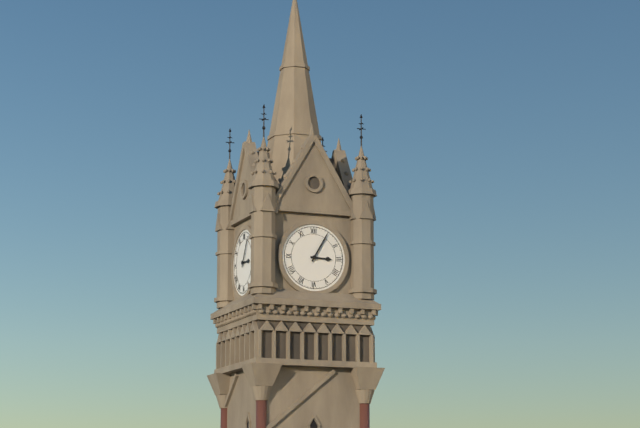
3:05
